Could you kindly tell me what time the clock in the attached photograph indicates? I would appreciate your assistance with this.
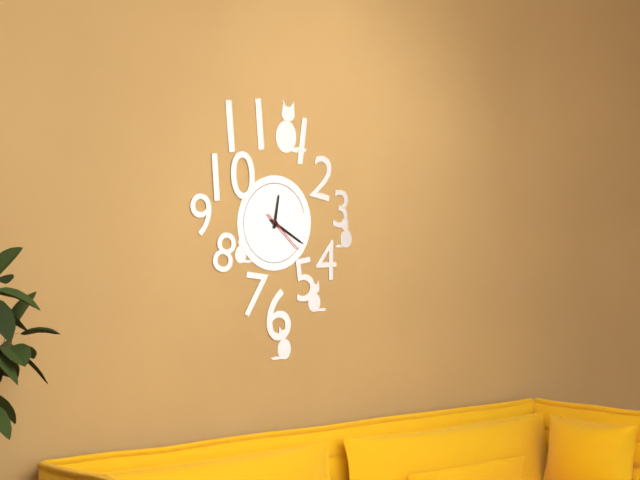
12:20
